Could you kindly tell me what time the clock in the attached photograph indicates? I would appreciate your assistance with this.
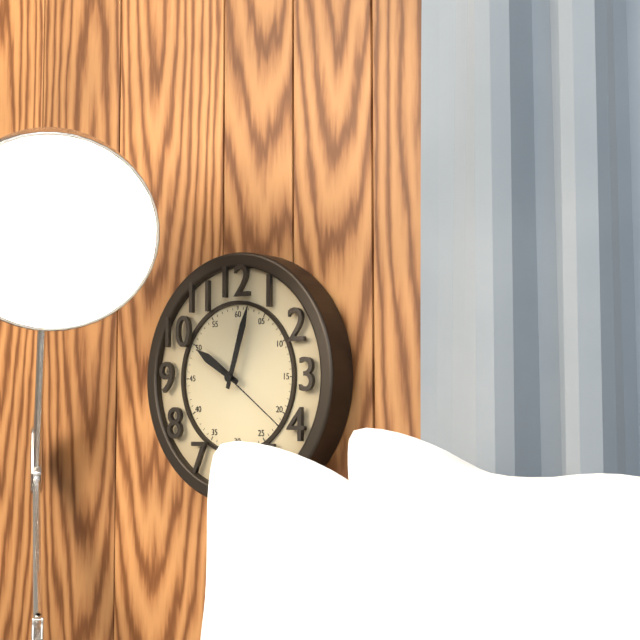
10:03:21
